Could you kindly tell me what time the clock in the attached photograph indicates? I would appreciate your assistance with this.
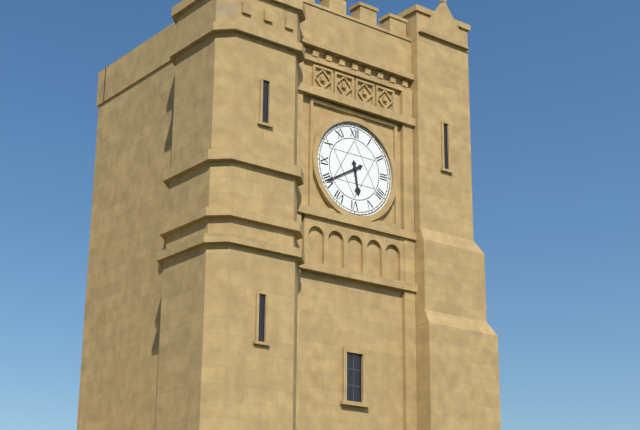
5:40
